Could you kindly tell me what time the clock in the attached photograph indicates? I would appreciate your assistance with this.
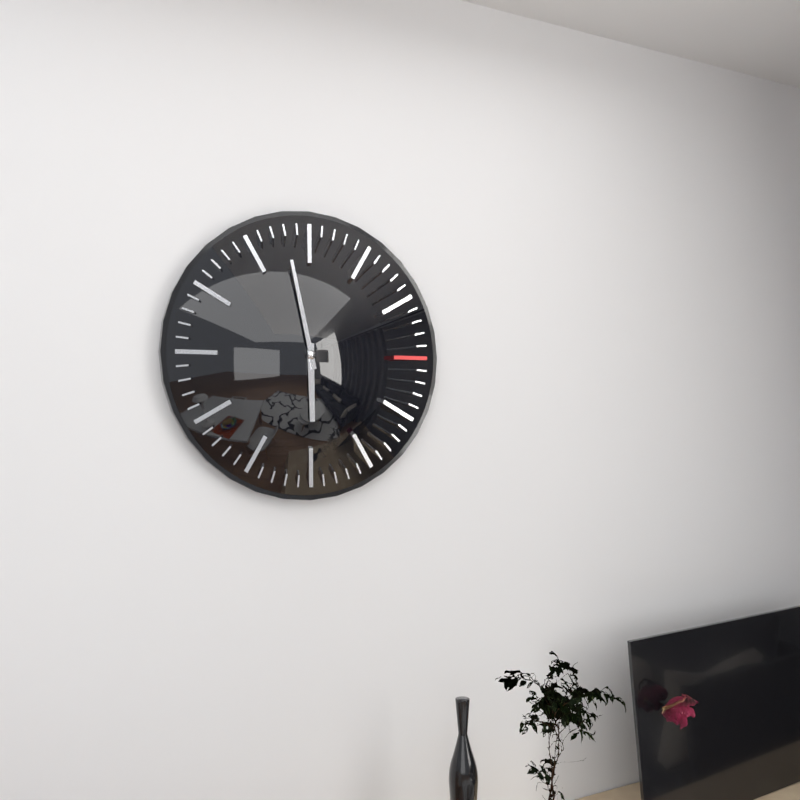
5:58
